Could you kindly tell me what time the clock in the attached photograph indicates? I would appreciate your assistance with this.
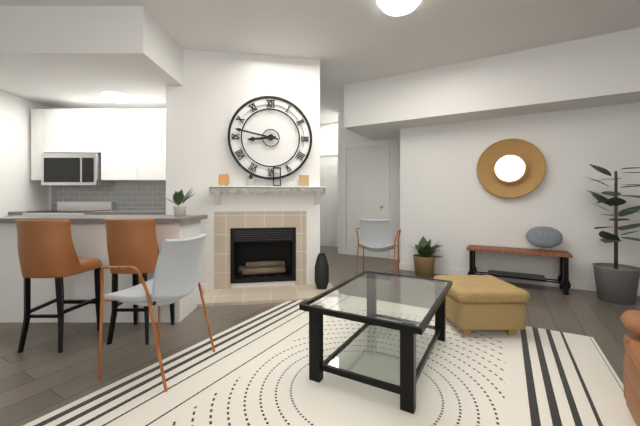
8:47
